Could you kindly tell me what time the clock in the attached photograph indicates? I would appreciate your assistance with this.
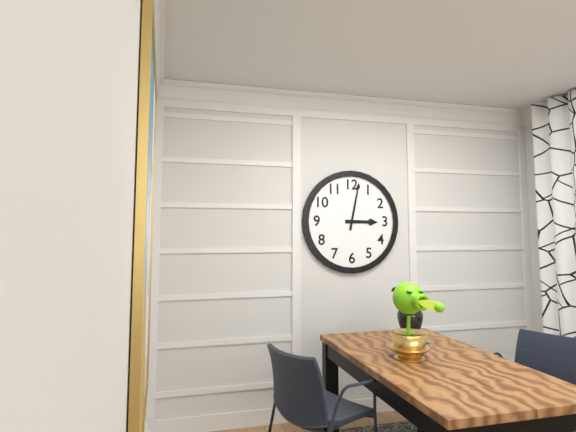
3:02
